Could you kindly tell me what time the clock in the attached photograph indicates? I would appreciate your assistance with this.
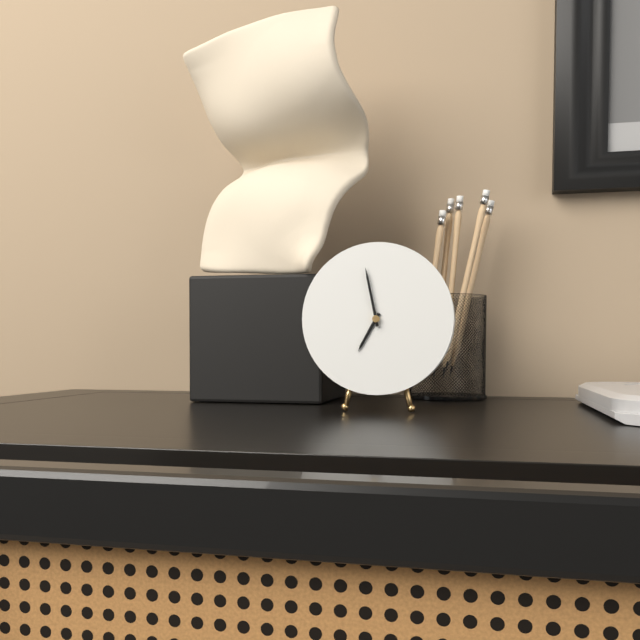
6:58
